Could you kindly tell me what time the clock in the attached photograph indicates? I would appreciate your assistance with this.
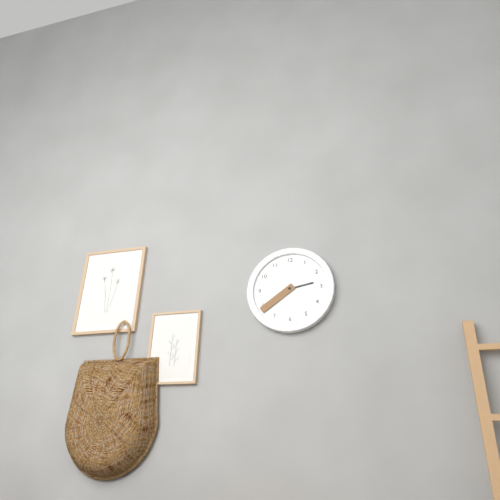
2:39
